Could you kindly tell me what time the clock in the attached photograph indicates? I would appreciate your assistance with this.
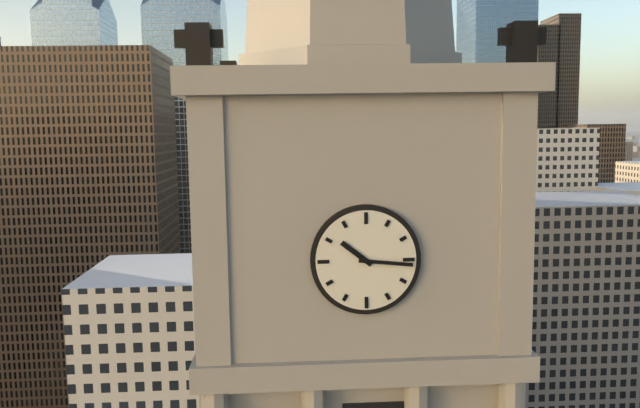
10:16
